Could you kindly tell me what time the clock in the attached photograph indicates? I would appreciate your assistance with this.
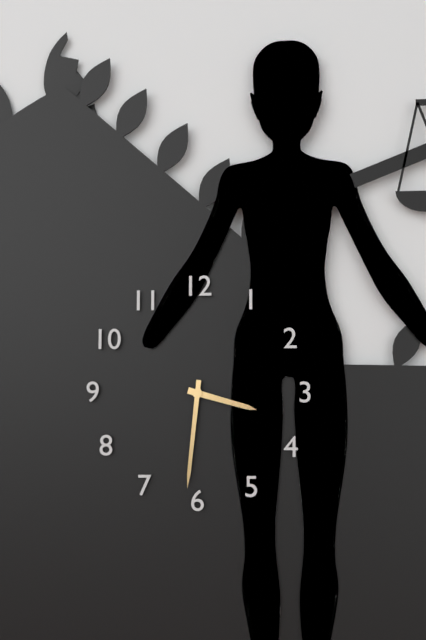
3:31
